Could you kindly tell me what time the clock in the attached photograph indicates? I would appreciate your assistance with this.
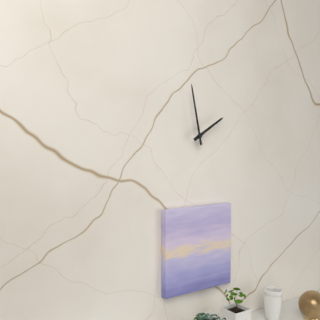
1:58
